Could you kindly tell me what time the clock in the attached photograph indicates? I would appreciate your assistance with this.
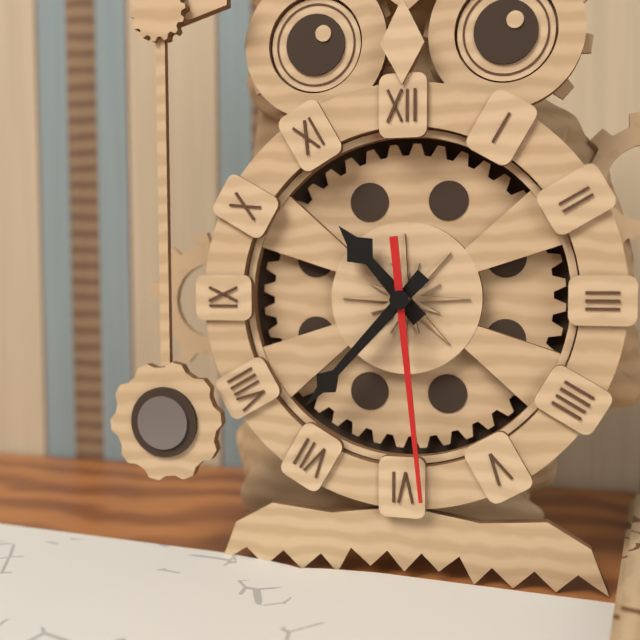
10:37:29
